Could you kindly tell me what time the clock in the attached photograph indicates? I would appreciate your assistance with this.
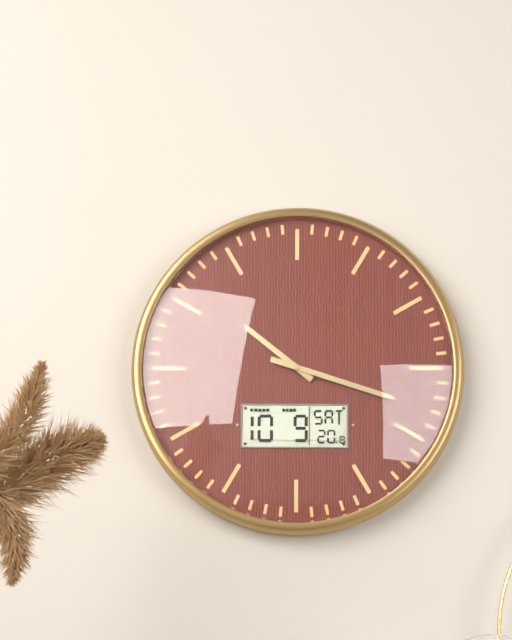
10:18
